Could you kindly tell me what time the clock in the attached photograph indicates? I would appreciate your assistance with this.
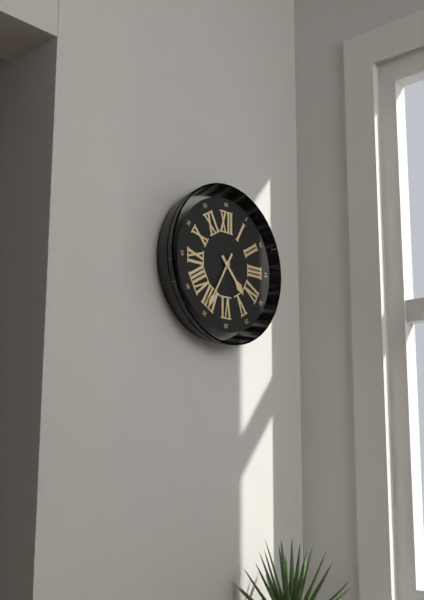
4:35
